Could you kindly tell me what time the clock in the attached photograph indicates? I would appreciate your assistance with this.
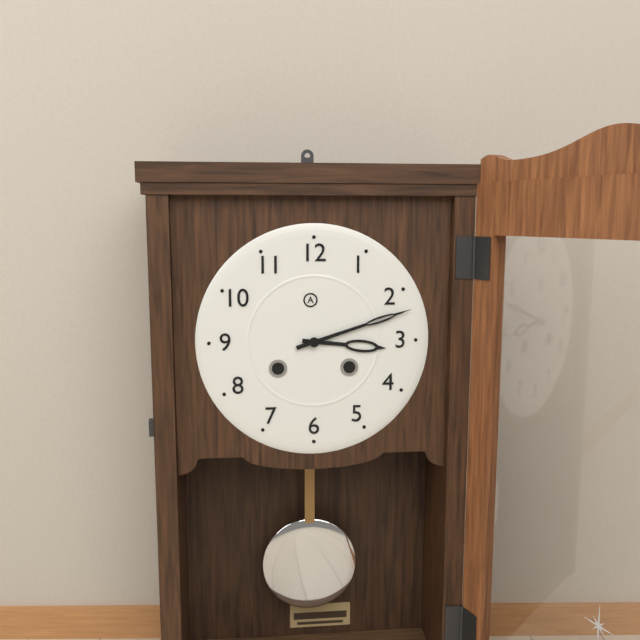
3:12
